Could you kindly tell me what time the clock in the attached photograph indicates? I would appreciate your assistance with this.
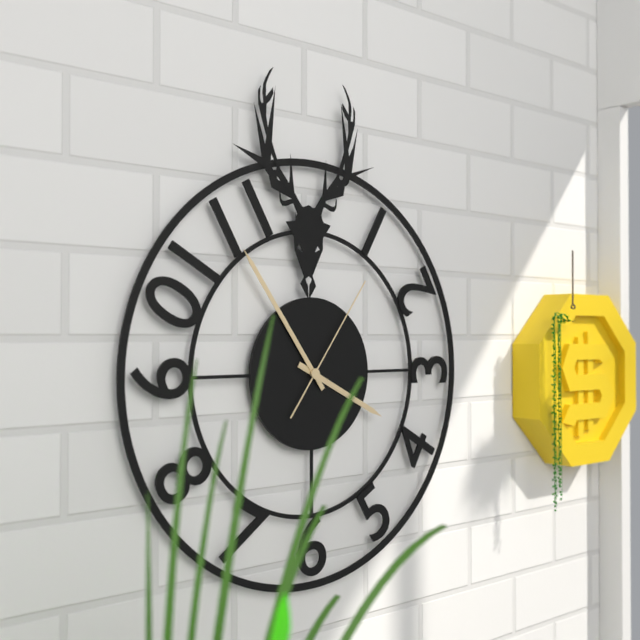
3:54:06
